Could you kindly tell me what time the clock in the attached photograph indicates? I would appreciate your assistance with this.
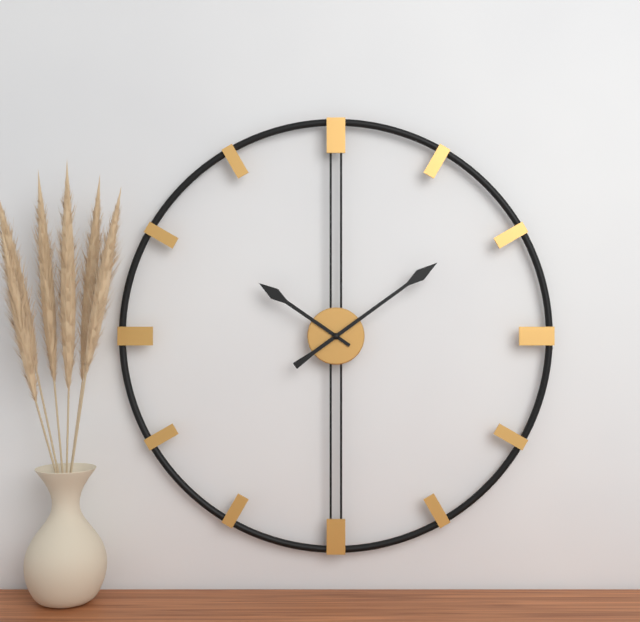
10:09
